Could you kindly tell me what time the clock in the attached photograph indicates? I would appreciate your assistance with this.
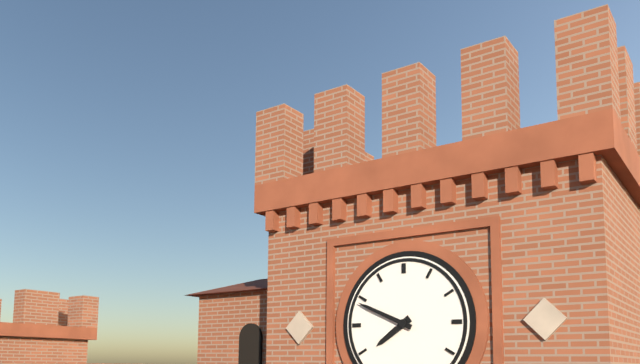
7:49
